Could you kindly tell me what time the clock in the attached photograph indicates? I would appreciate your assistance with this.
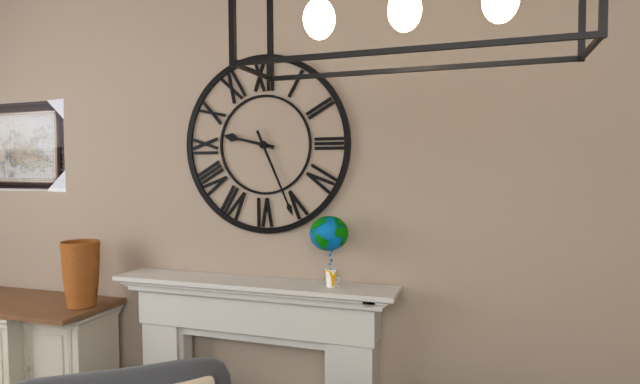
9:26
